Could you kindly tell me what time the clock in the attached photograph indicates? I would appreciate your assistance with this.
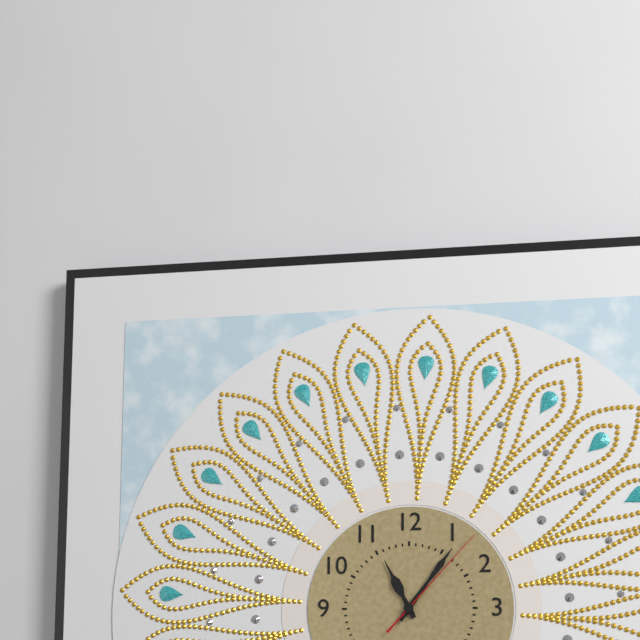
11:06:07
